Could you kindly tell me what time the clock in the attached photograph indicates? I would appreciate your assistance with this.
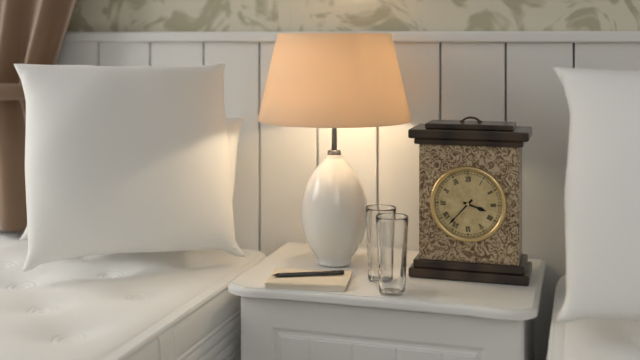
3:37
